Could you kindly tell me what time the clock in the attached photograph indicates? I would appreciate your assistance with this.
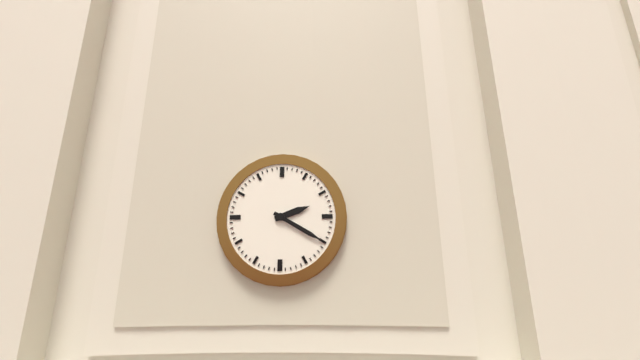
2:20
